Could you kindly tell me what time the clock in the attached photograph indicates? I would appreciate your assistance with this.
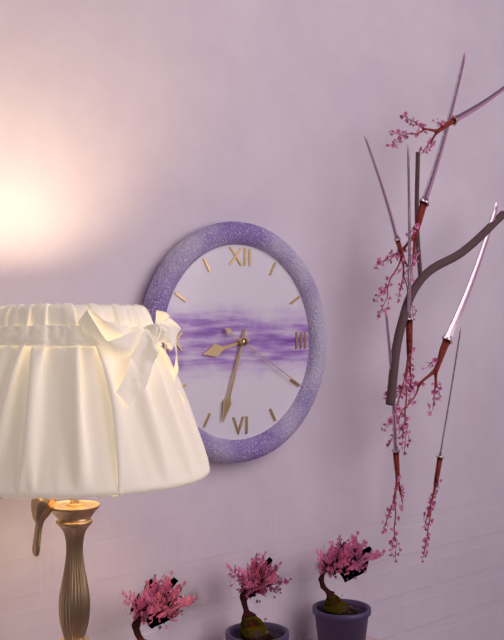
8:33:20
